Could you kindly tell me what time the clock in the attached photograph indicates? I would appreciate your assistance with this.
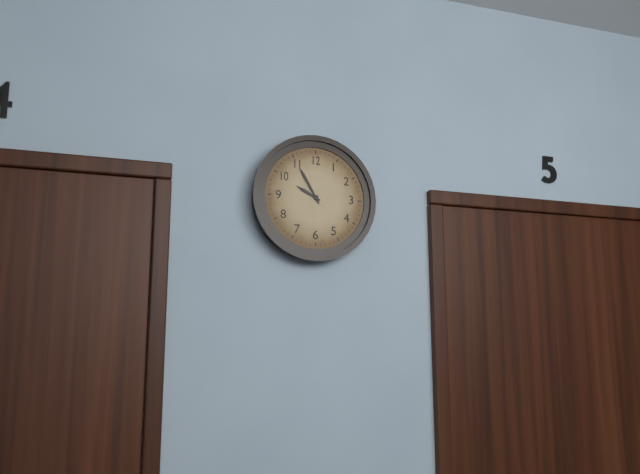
9:55
